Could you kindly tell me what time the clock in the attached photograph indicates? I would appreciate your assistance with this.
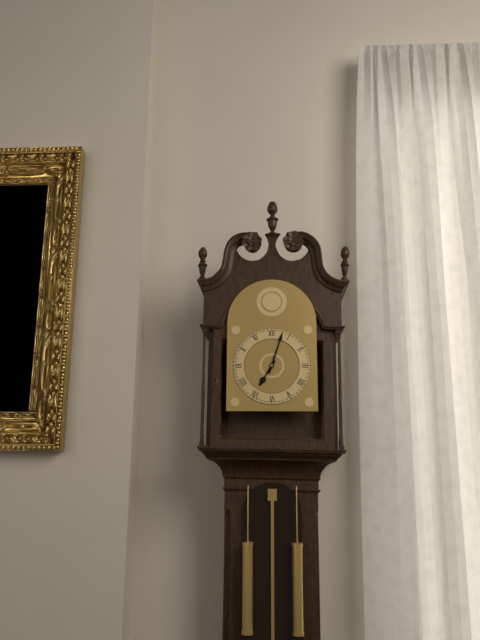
7:03
